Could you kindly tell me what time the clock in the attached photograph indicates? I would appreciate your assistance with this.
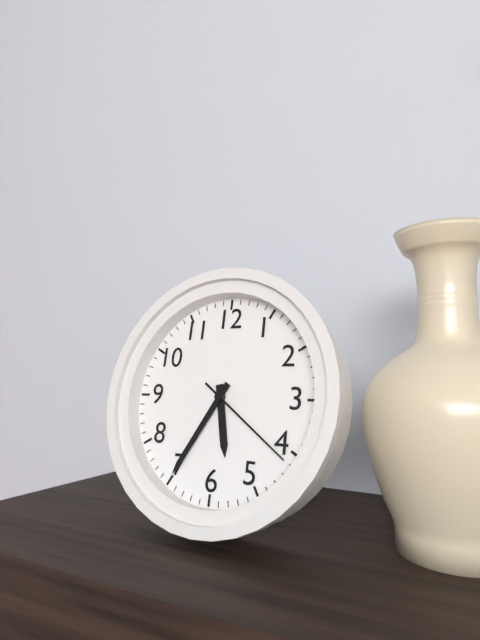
5:35:21
